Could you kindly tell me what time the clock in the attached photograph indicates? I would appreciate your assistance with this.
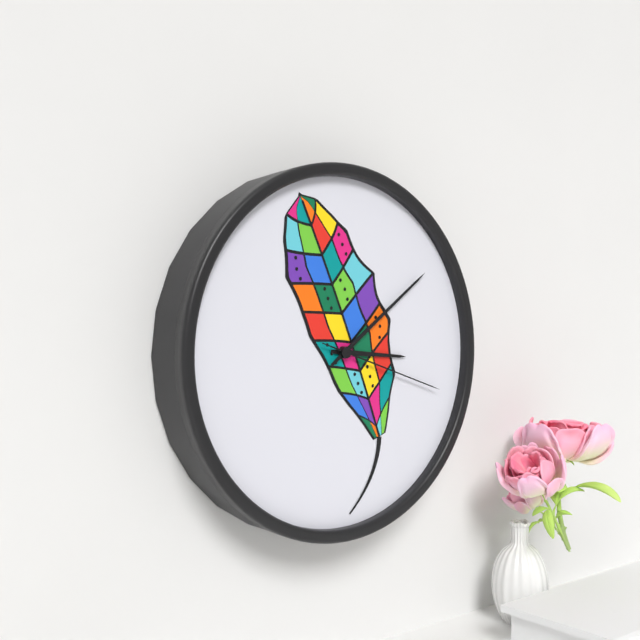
3:09:18
